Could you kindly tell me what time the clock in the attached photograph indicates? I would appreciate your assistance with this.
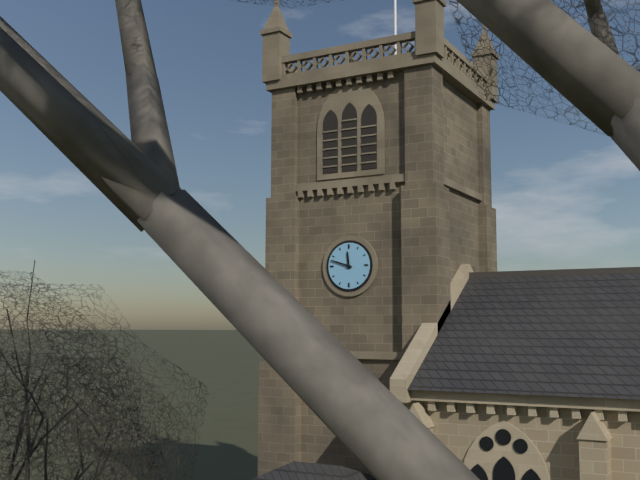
11:48
